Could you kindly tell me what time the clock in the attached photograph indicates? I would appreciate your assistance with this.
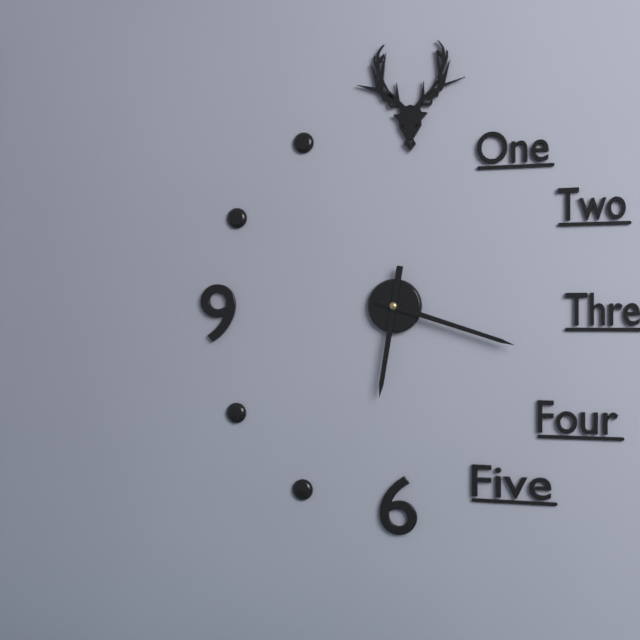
6:18
